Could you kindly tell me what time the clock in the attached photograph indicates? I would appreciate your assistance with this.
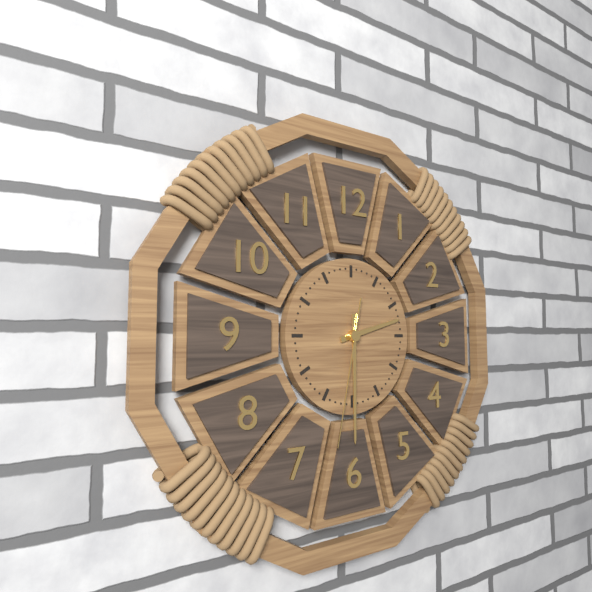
2:30:32
